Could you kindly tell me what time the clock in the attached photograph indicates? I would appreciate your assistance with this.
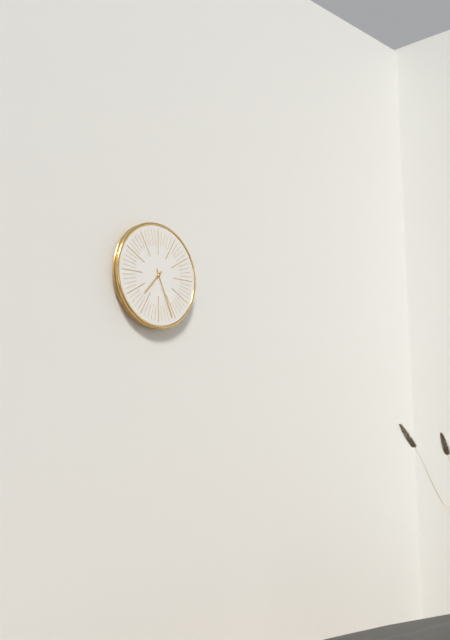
7:26
